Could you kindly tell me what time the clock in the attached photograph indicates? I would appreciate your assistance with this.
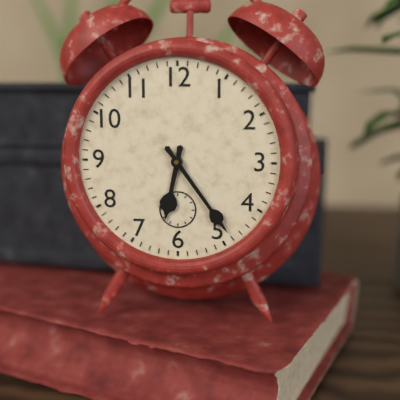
6:24
